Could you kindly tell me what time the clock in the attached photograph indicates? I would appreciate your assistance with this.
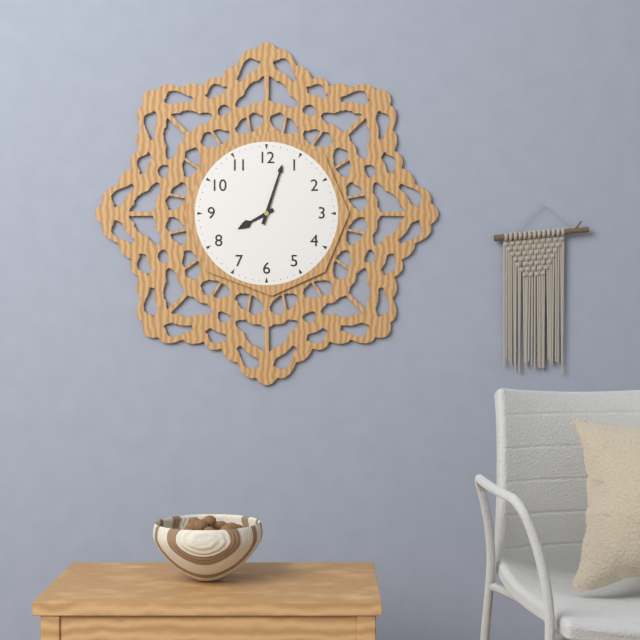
8:03
